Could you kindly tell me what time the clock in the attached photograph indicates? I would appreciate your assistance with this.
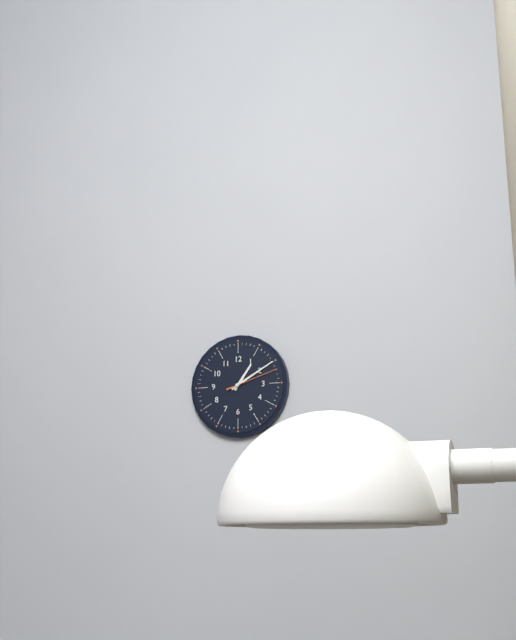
1:10:12
